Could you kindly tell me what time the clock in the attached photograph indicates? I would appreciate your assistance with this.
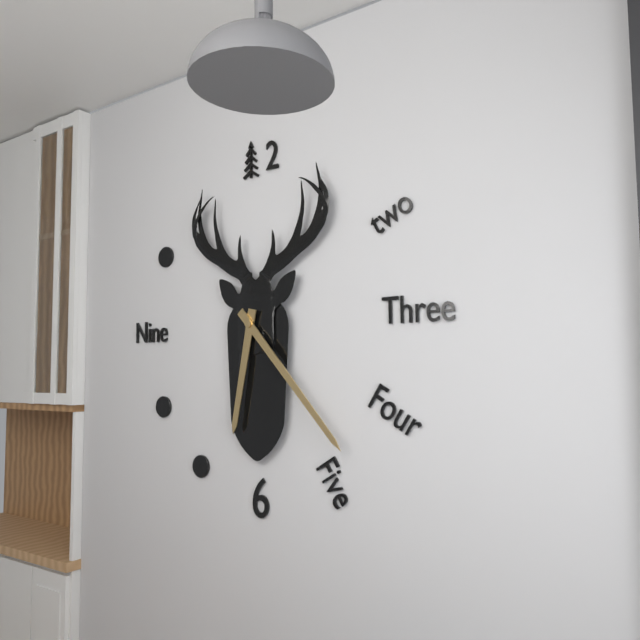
6:23
